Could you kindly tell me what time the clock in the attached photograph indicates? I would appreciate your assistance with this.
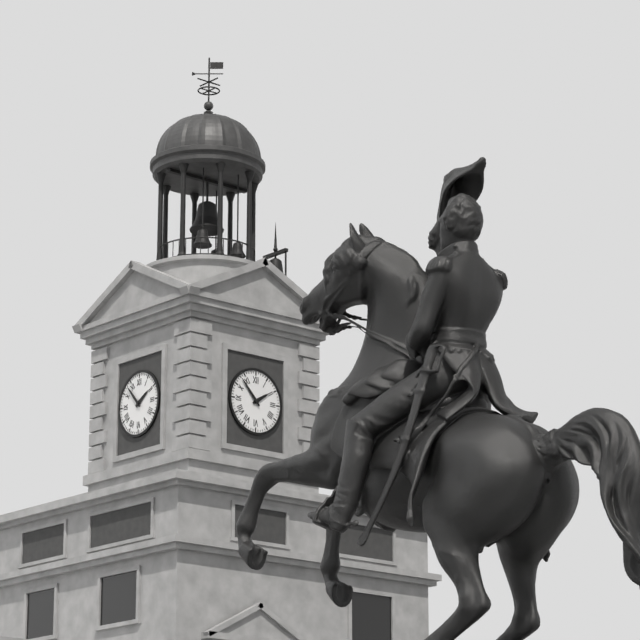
1:53
